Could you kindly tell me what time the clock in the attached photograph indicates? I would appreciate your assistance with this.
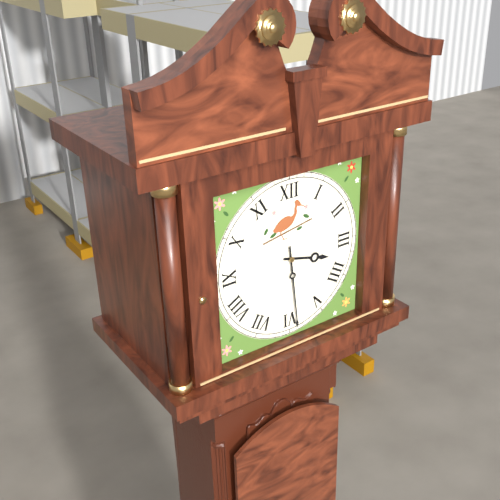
3:29
